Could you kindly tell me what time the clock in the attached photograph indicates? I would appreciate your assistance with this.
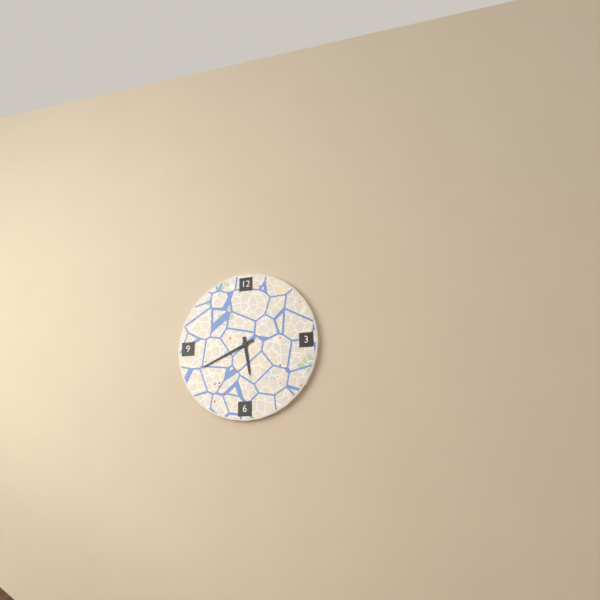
5:41
